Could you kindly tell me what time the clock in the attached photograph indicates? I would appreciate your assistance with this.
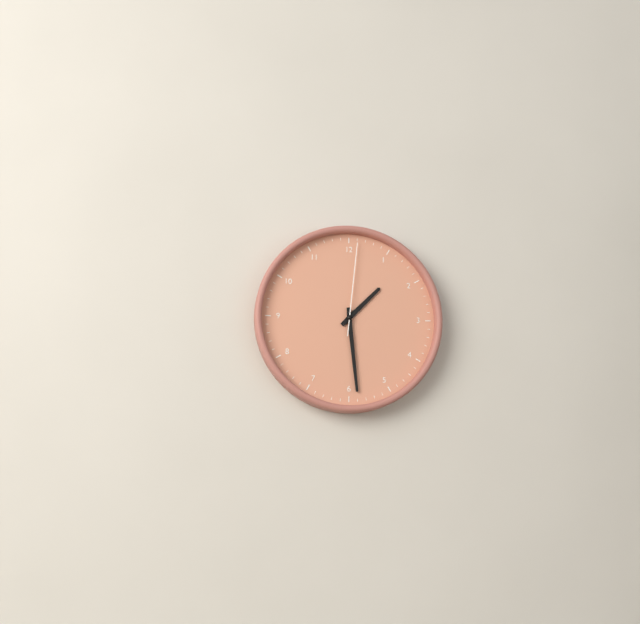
1:29:01
